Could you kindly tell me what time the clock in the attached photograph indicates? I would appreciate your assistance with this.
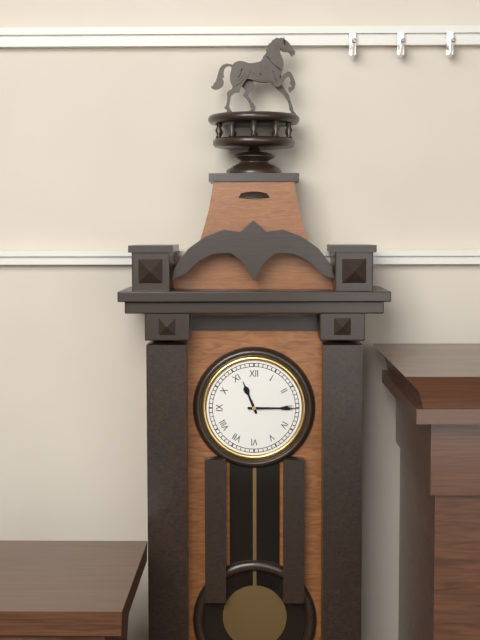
11:15
